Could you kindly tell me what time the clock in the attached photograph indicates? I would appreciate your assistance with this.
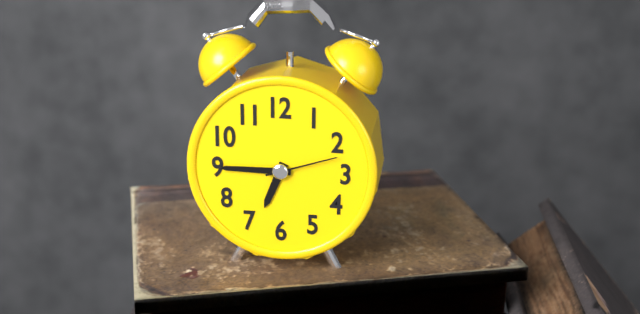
6:45:12
